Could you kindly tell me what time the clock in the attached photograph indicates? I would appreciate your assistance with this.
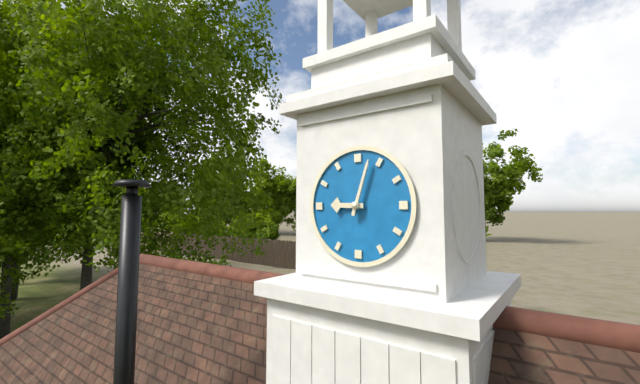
9:03
